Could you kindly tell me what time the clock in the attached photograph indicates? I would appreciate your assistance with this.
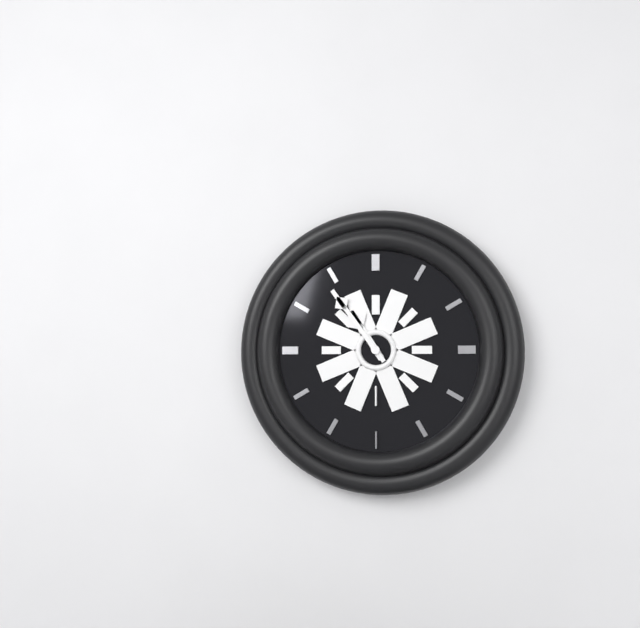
10:54
